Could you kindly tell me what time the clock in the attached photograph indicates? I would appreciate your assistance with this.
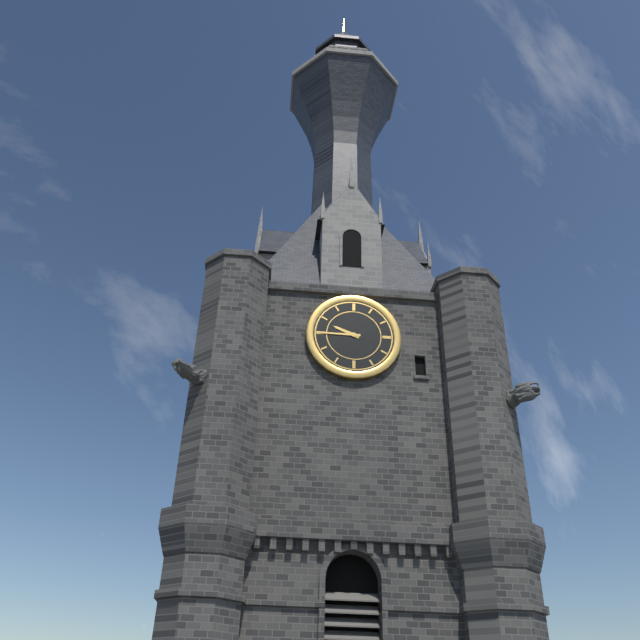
9:45
